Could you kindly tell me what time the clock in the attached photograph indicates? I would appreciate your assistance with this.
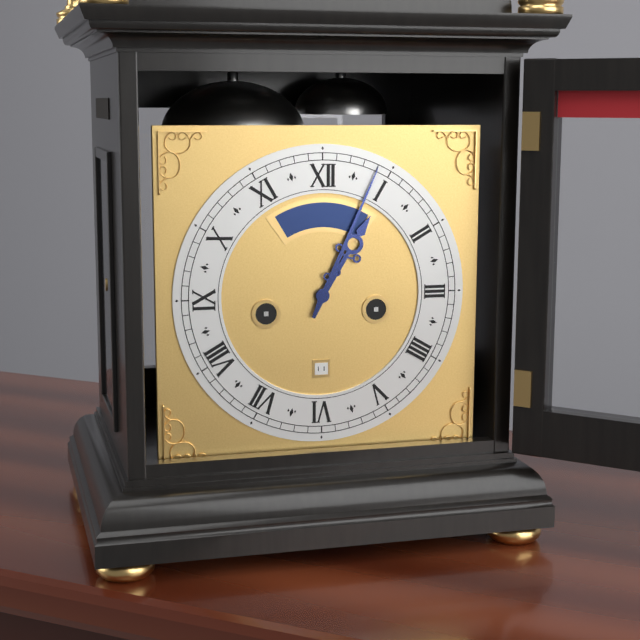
1:04
